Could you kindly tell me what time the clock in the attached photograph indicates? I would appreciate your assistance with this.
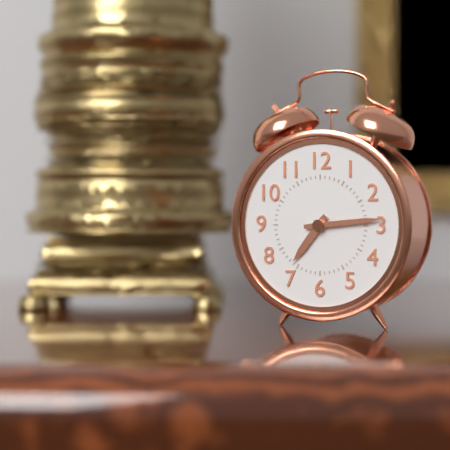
7:14
